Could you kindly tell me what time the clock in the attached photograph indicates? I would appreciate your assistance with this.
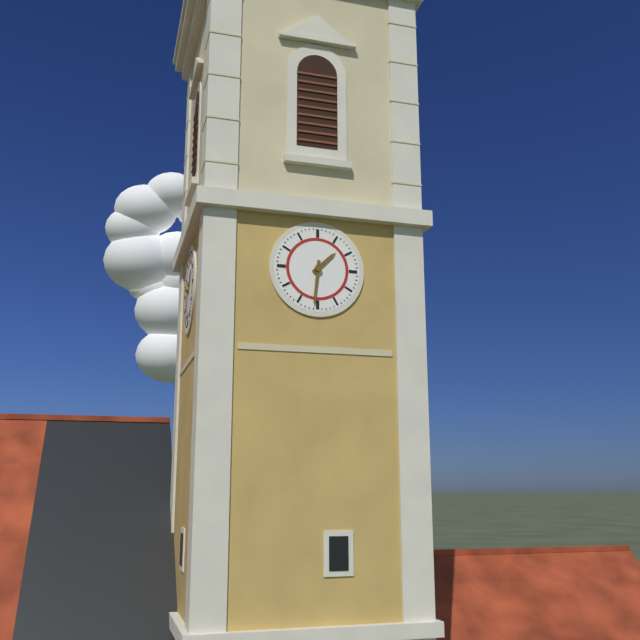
1:31
